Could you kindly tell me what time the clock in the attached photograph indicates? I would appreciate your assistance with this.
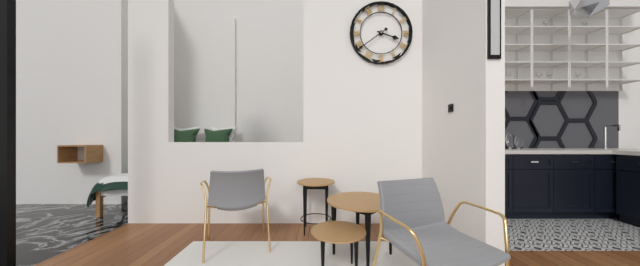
3:39
